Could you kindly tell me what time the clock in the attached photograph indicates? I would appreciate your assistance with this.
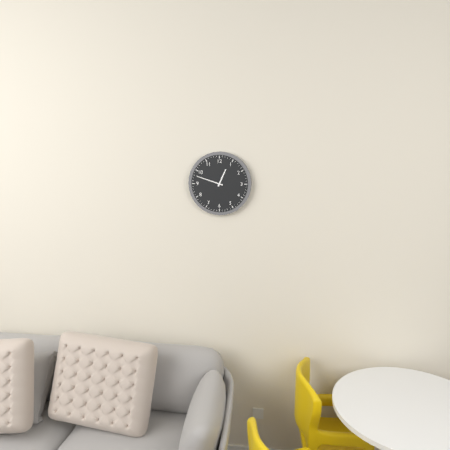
12:48
